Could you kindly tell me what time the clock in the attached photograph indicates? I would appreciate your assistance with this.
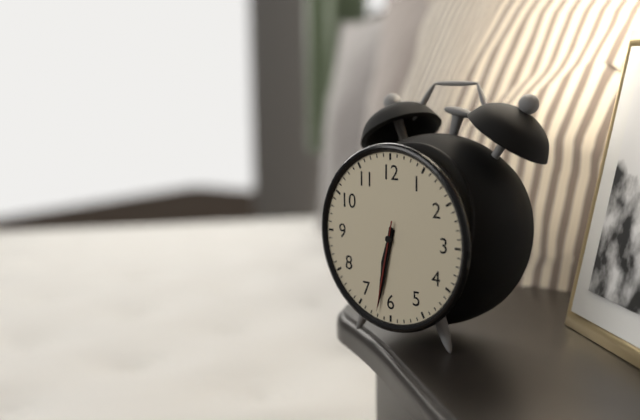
6:32:32
